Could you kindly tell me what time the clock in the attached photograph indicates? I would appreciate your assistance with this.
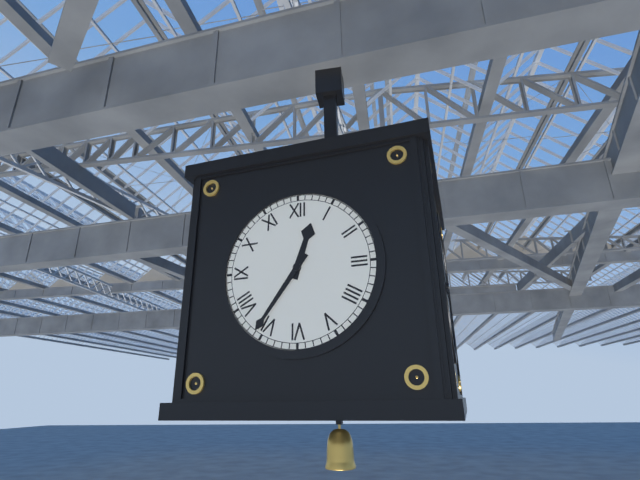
12:36
